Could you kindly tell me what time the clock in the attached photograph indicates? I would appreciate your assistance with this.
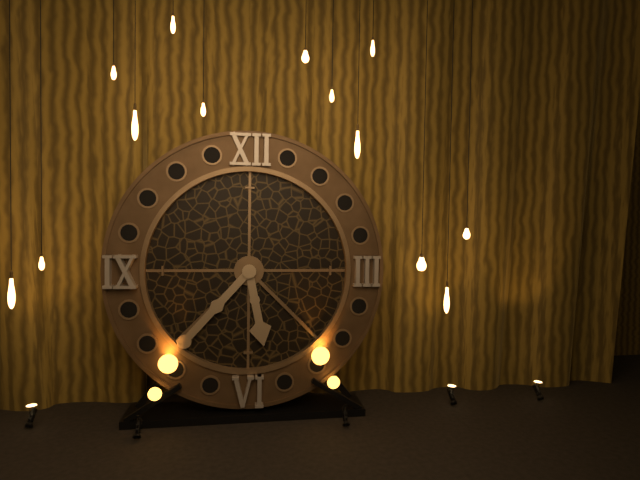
5:37
